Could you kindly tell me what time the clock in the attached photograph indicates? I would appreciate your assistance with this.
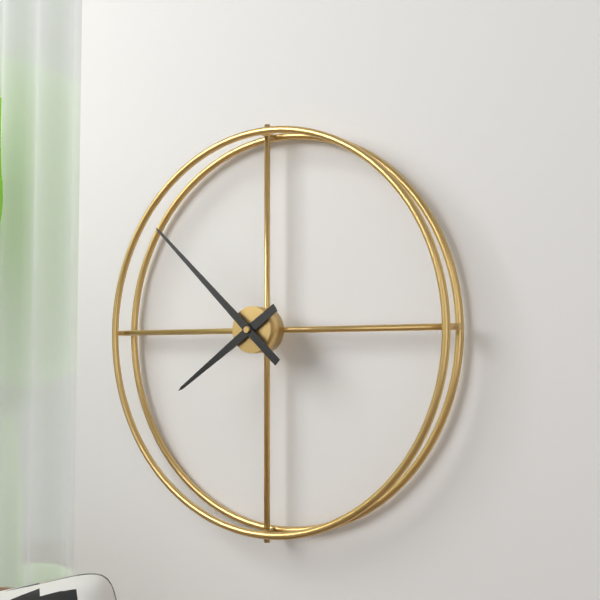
7:52
